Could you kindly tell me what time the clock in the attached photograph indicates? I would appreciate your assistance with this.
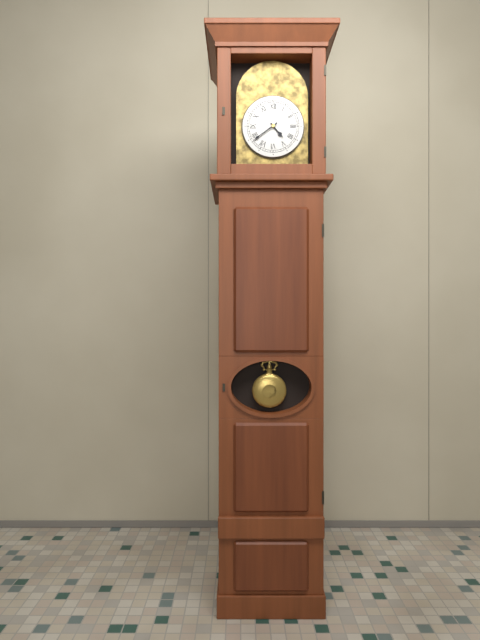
4:39
